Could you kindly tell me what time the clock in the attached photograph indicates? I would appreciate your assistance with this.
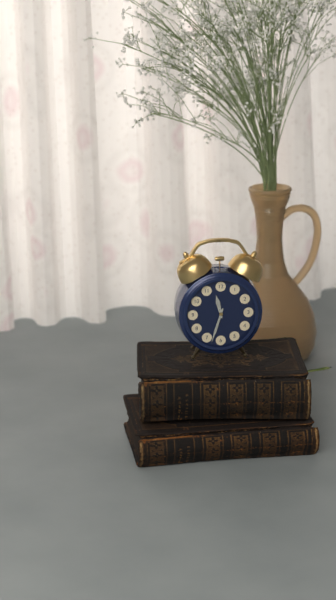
11:33
